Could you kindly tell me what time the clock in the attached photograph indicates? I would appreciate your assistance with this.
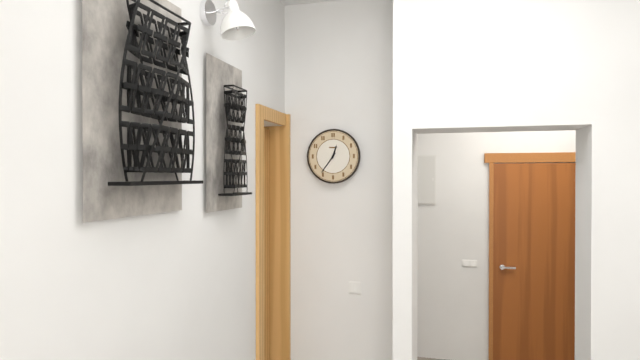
12:36
